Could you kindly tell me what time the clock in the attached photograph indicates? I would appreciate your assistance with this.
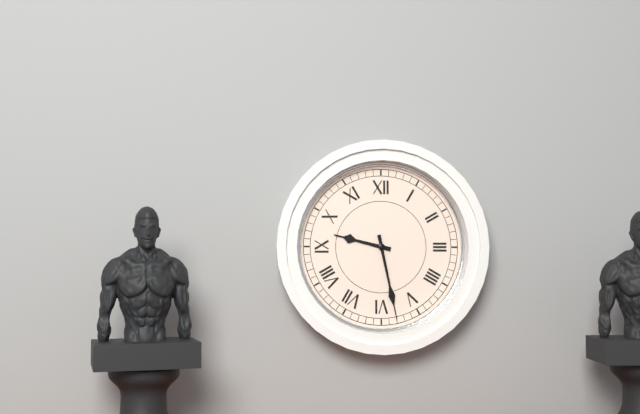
9:28
